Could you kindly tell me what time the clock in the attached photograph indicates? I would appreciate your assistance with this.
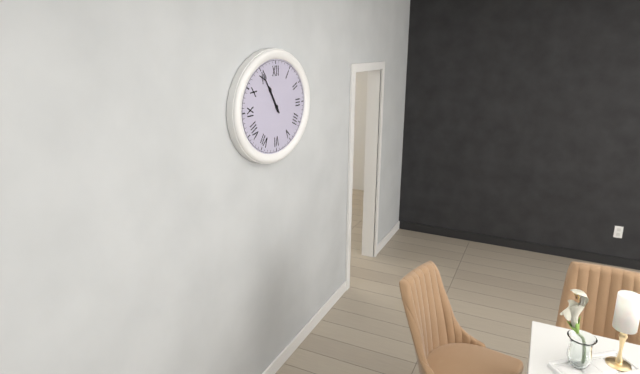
10:54
